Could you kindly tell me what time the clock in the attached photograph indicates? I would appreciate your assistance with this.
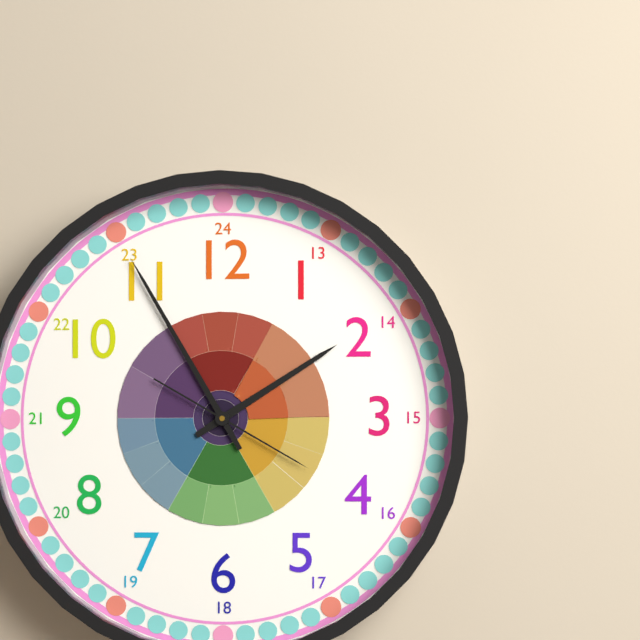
1:55:20
